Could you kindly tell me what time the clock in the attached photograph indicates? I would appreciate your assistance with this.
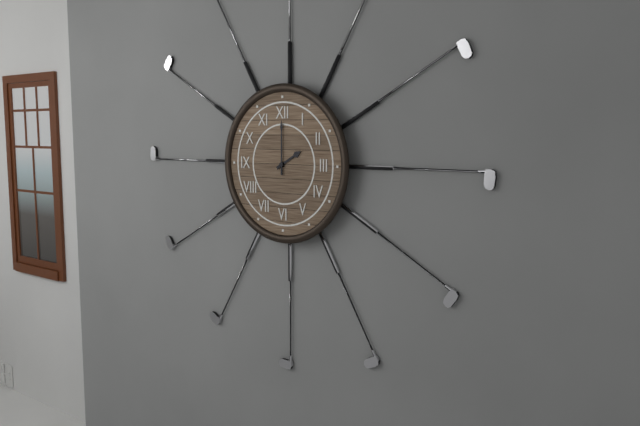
2:00
